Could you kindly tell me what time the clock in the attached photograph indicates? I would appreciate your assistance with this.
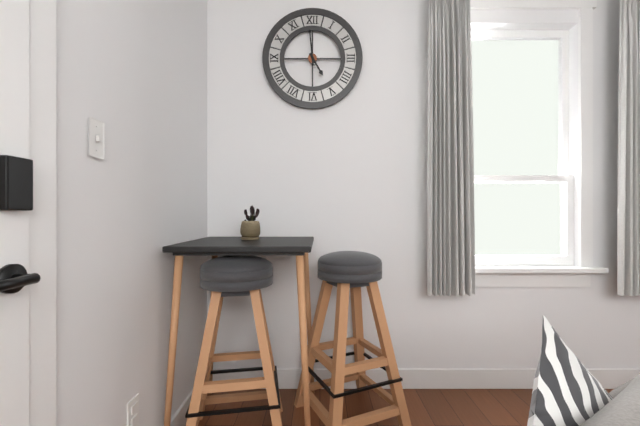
4:59
